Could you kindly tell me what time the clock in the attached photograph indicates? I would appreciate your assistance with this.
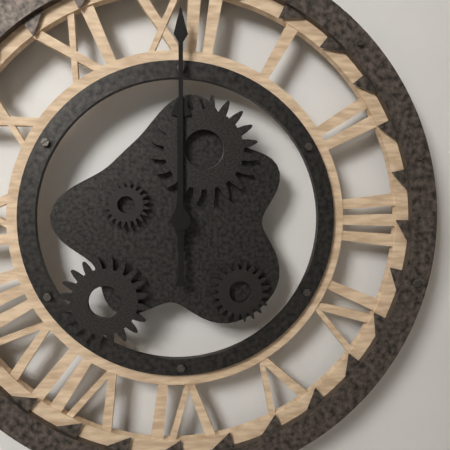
12:00
